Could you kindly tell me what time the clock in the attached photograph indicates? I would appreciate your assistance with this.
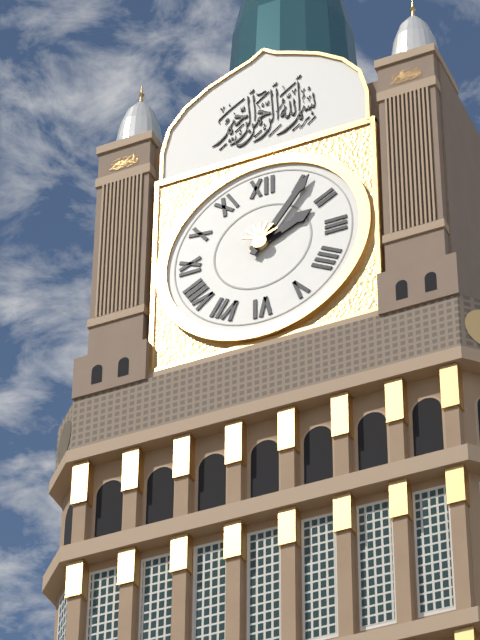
2:06
